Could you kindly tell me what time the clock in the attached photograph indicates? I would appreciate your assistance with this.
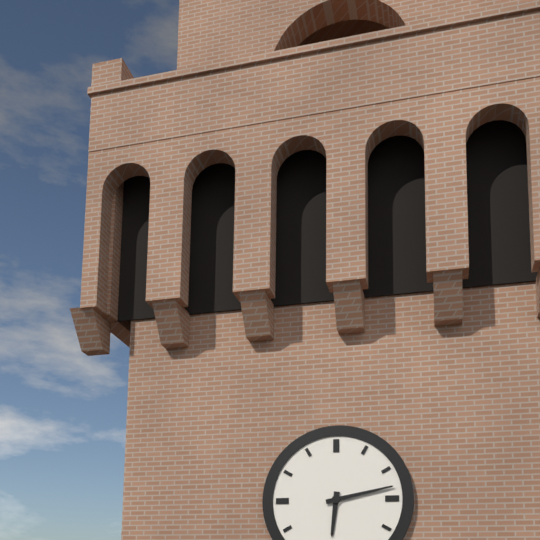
6:13
